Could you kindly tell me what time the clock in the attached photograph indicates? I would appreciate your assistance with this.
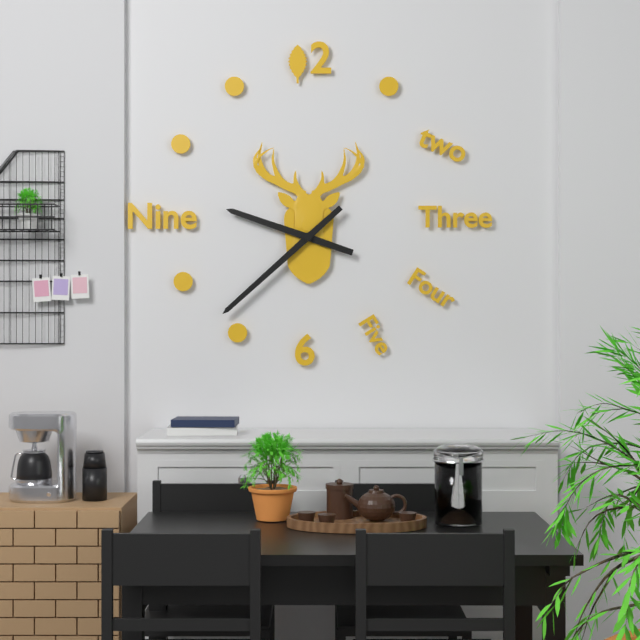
9:38
